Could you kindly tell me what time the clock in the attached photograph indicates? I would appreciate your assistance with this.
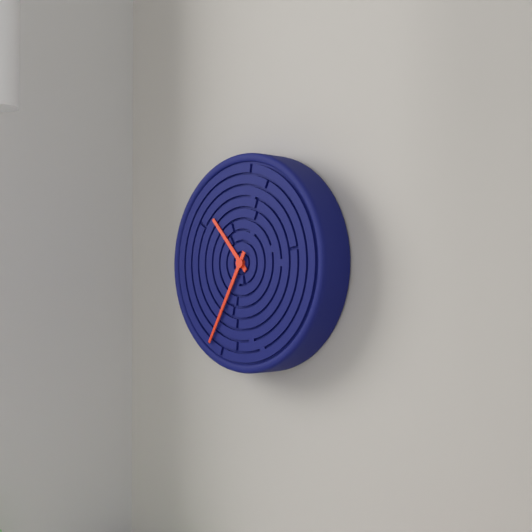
10:35
